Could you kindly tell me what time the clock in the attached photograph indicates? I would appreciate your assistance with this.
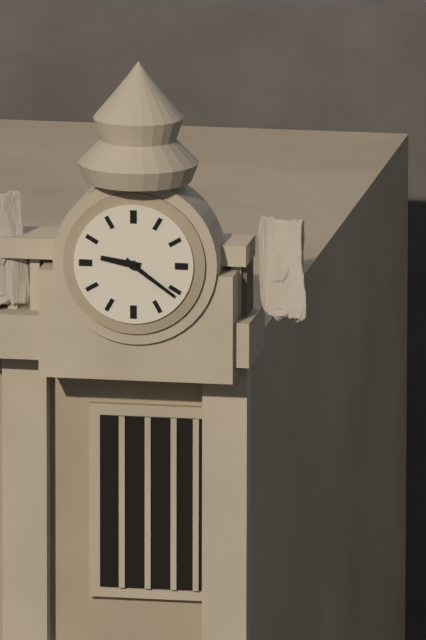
9:21
